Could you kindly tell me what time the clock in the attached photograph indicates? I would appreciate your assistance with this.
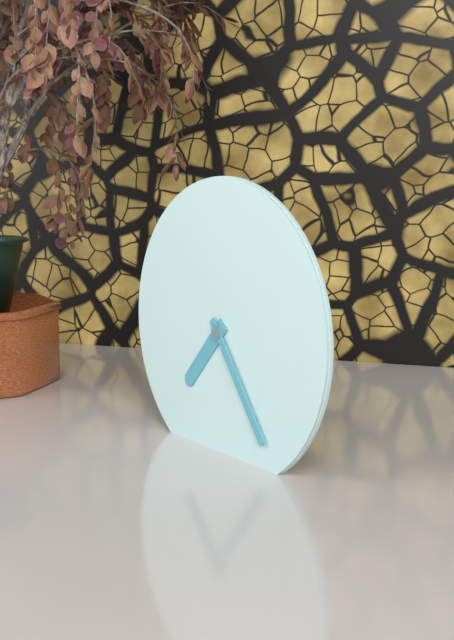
7:24
